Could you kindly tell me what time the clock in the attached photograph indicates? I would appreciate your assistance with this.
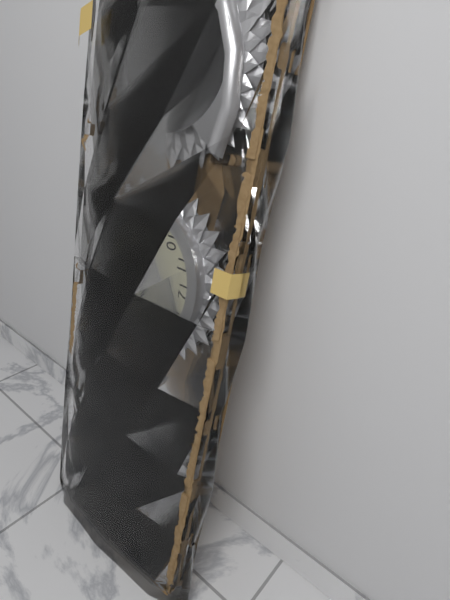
9:17
